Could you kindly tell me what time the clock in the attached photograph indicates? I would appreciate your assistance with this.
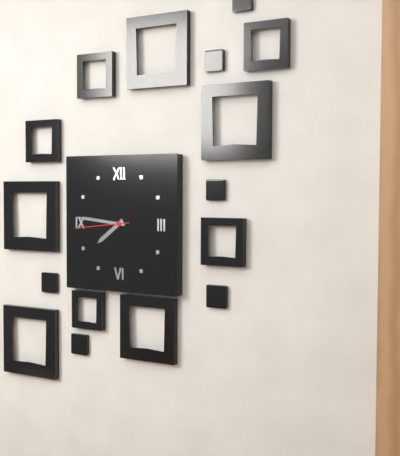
7:46:44
